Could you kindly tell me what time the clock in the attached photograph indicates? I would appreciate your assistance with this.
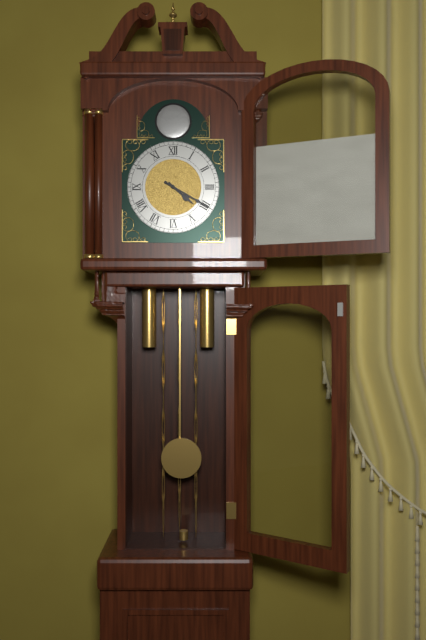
4:20
